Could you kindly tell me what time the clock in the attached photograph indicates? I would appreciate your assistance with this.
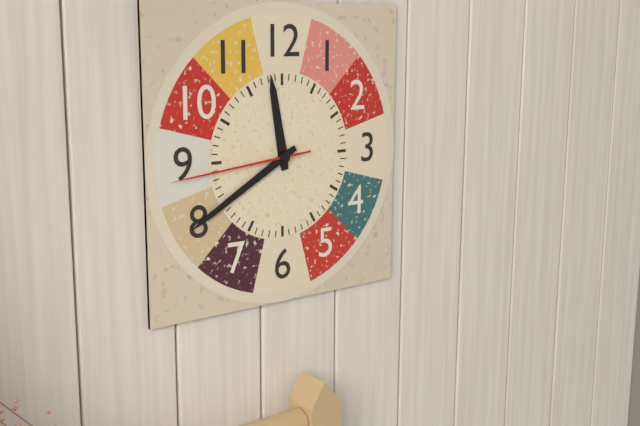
11:40:44
